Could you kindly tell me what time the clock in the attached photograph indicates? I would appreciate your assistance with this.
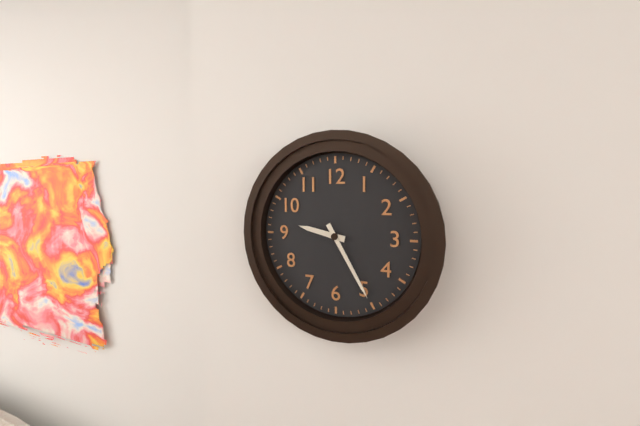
9:25
